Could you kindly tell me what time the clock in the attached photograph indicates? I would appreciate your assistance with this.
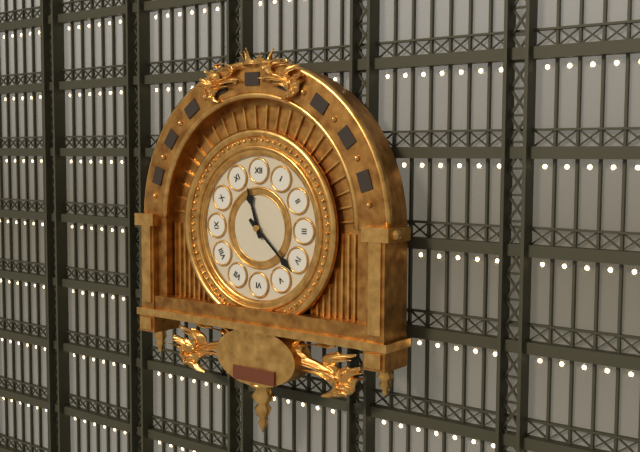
11:22
